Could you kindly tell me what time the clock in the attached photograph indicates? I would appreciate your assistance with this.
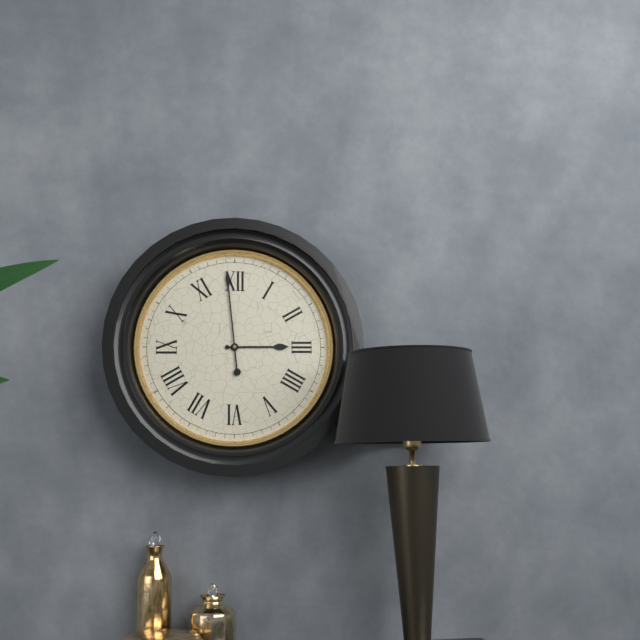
2:59
